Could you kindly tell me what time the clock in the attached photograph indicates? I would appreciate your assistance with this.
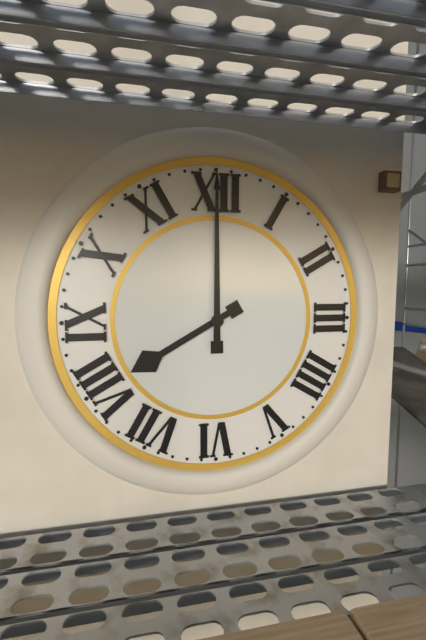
8:00
